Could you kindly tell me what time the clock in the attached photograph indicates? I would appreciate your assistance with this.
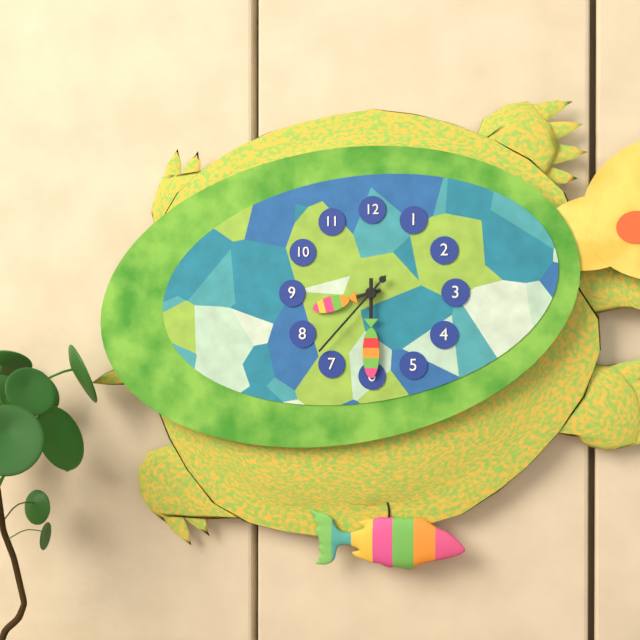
8:30:37
